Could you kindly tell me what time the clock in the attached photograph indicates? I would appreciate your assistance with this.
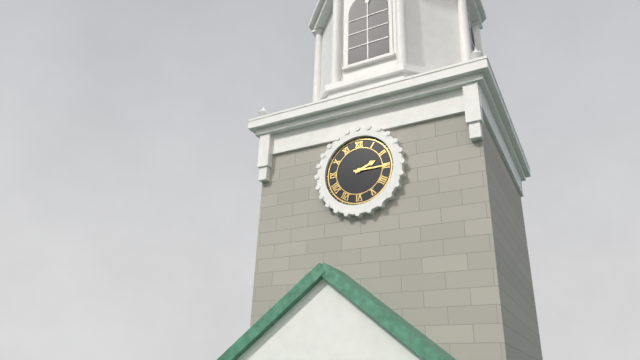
2:15
